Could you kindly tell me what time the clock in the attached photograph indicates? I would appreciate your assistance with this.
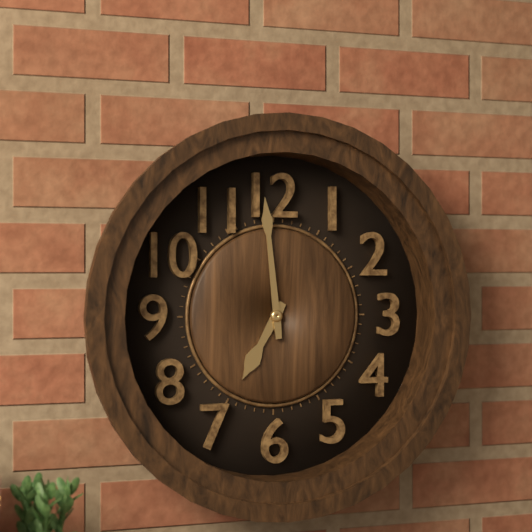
6:59
